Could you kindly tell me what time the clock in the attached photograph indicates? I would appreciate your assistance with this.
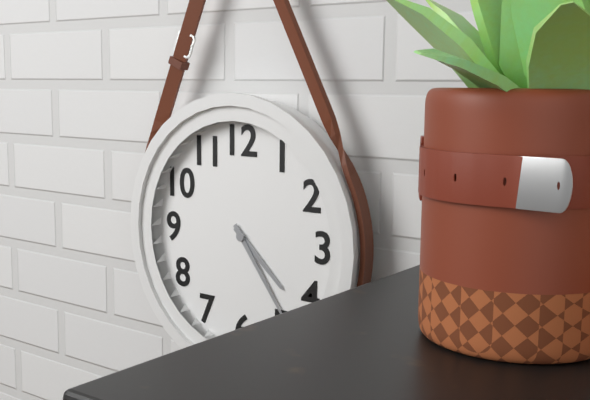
4:24
